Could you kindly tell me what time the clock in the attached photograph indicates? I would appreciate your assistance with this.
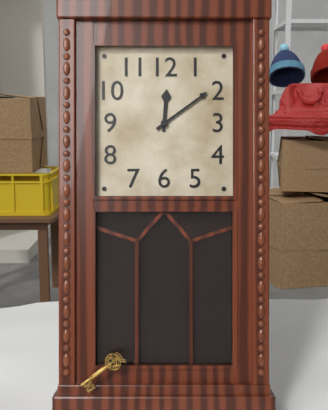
12:09
